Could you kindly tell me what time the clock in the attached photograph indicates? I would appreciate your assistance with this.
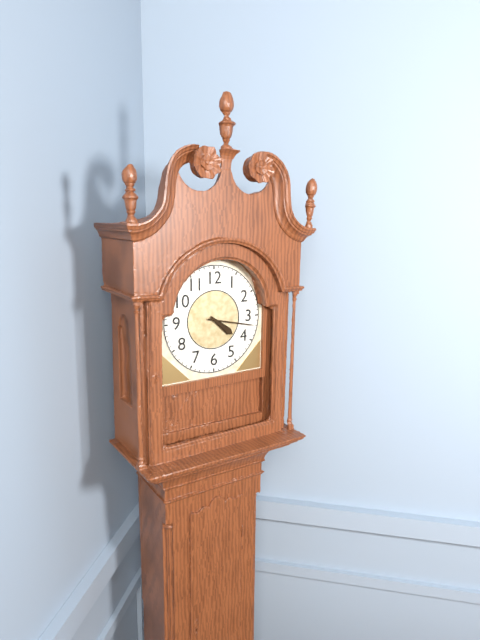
4:17
